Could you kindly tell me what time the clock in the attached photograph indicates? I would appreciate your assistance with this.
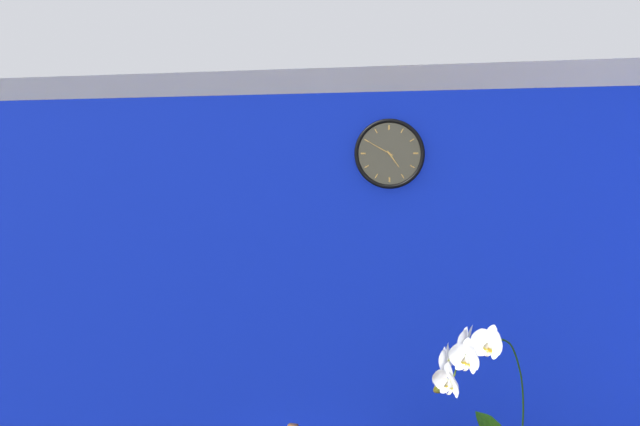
4:50
